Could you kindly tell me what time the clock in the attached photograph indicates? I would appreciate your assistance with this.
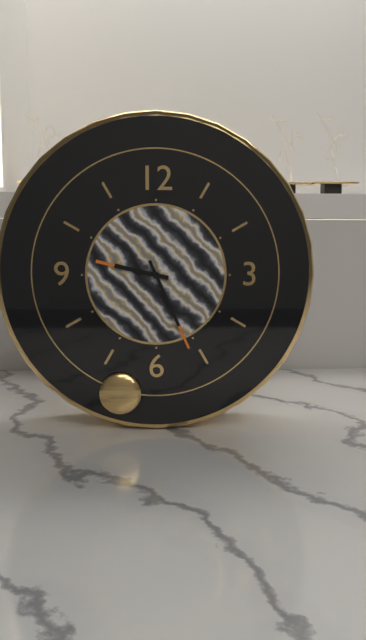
9:26
